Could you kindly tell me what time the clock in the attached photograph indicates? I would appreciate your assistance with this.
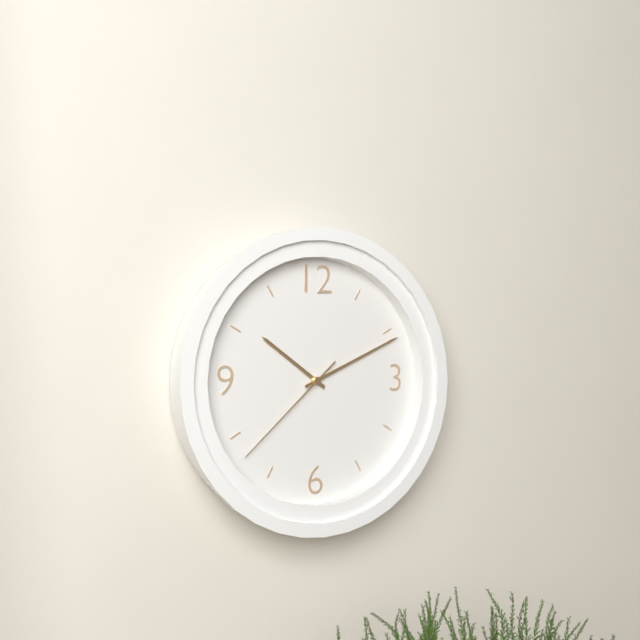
10:11:38
